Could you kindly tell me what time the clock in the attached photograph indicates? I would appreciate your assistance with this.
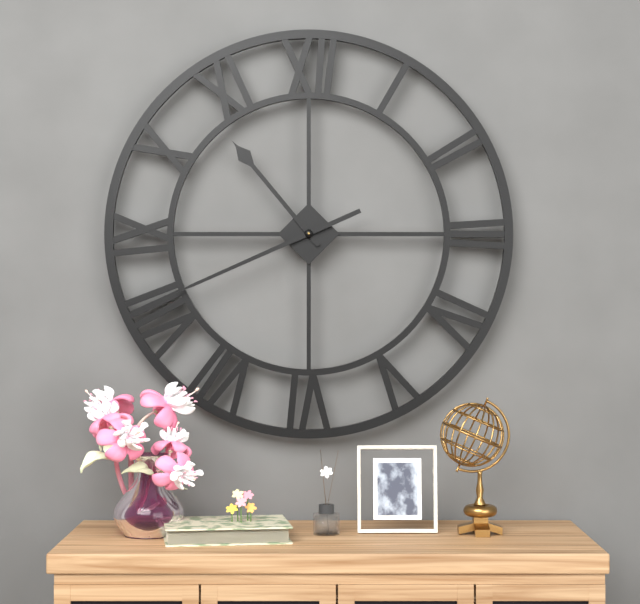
10:41
